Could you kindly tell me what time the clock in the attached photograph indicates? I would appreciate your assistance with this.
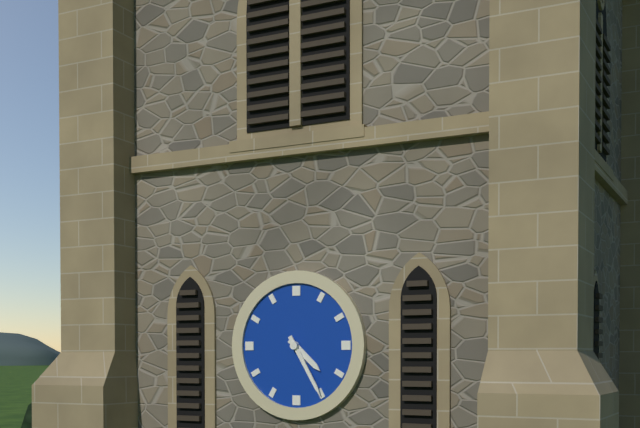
4:25
